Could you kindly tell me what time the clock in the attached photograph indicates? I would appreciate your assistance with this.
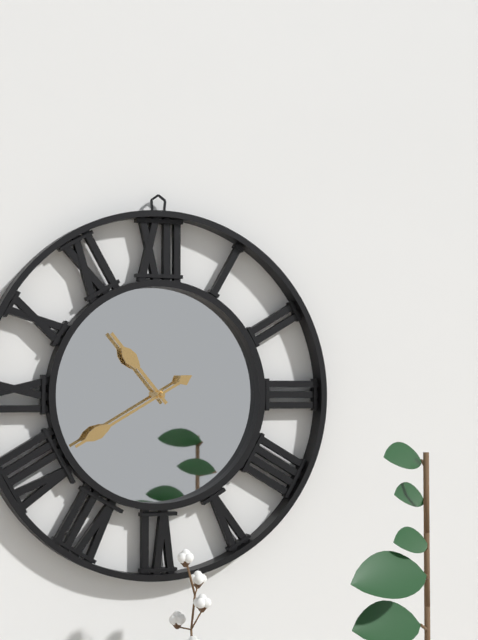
10:40
